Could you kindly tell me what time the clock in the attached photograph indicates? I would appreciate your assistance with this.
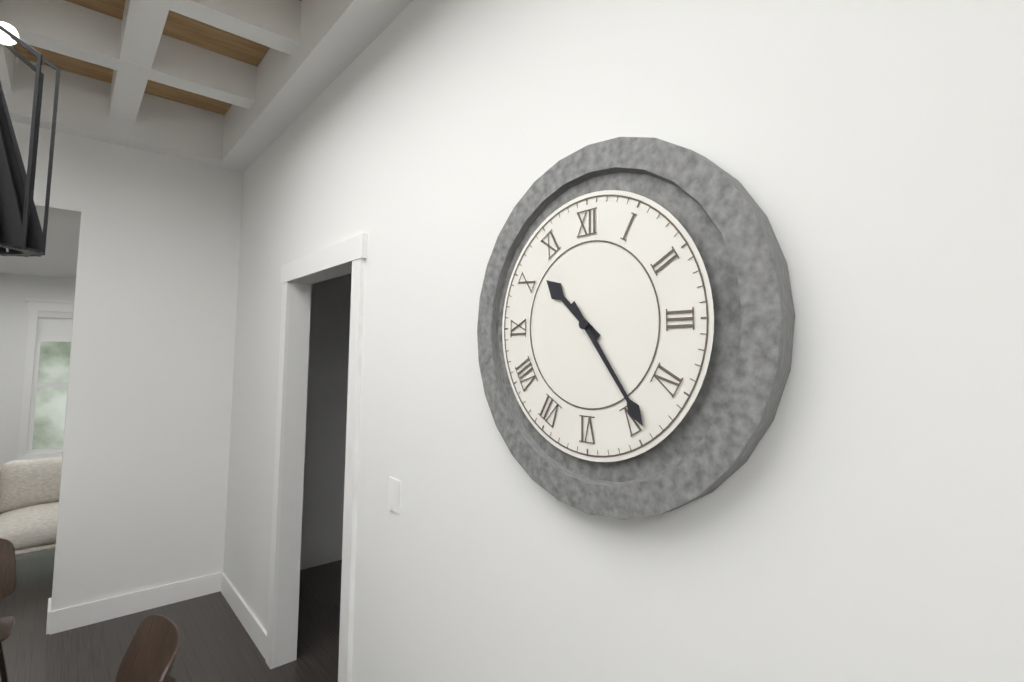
10:24
